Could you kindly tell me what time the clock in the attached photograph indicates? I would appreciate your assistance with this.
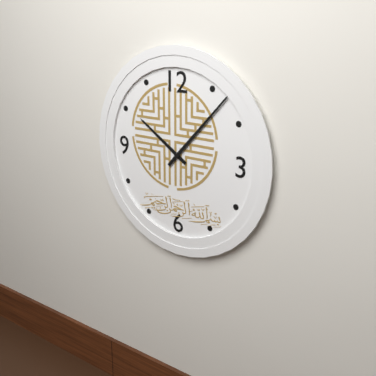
10:07
